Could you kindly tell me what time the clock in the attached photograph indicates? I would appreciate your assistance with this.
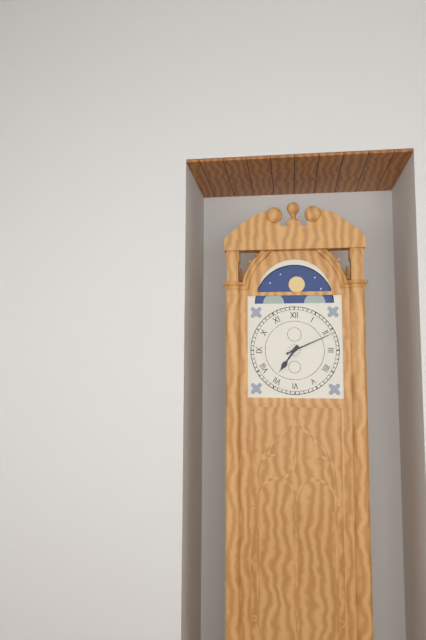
7:11
